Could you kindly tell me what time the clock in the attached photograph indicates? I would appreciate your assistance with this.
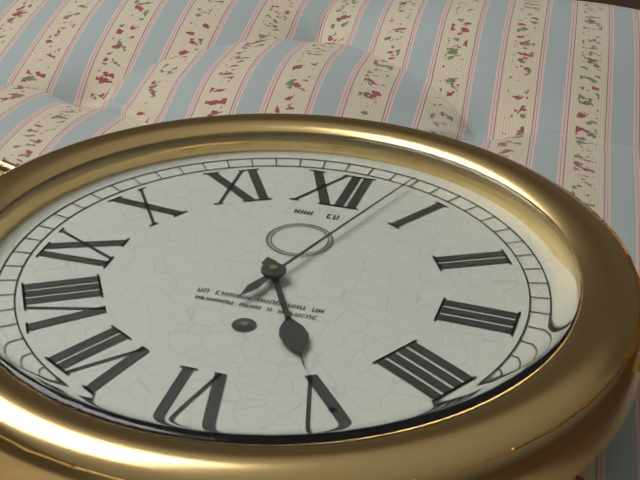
5:03
